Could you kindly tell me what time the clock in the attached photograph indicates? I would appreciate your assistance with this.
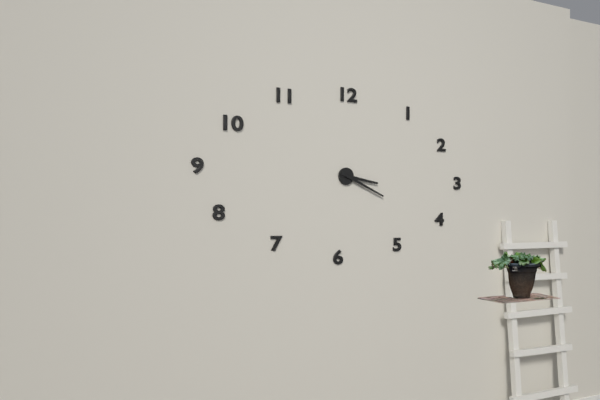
3:19
